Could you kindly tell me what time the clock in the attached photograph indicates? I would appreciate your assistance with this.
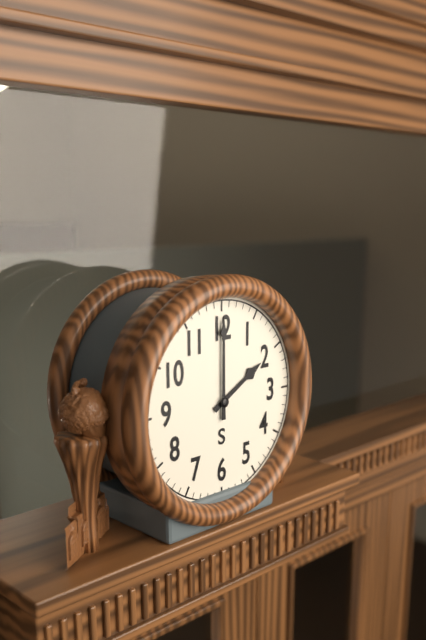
2:00
